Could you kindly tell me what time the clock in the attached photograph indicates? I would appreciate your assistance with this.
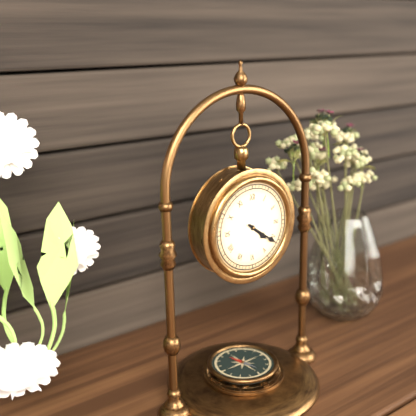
4:21
